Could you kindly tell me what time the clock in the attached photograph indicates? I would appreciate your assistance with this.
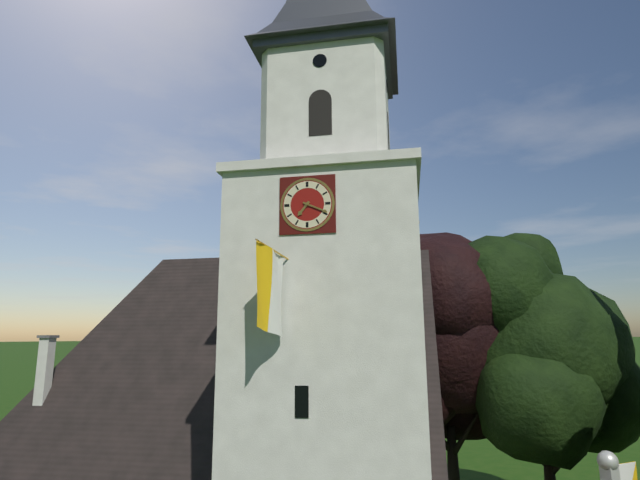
7:19
